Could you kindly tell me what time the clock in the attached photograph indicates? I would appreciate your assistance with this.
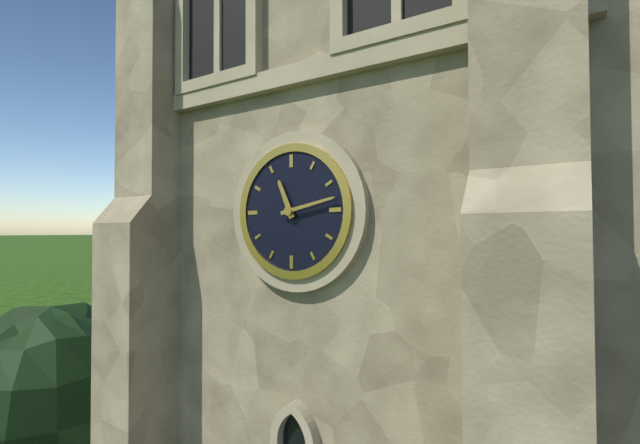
11:13
